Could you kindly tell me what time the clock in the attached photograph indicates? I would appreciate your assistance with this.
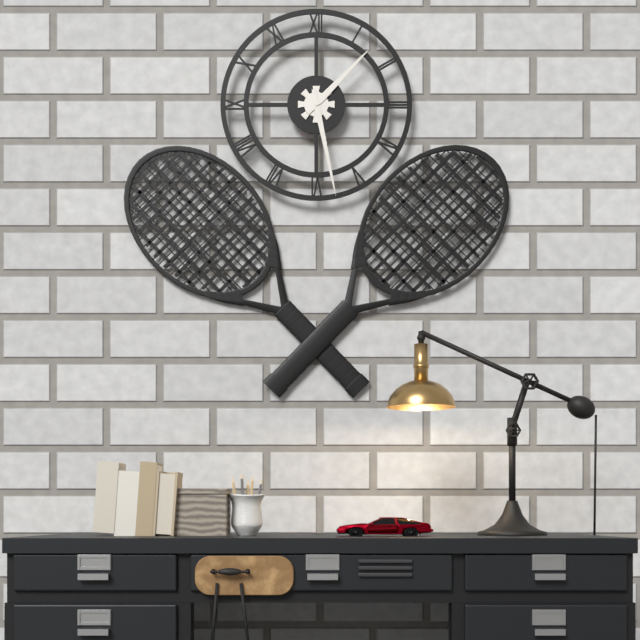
1:28
